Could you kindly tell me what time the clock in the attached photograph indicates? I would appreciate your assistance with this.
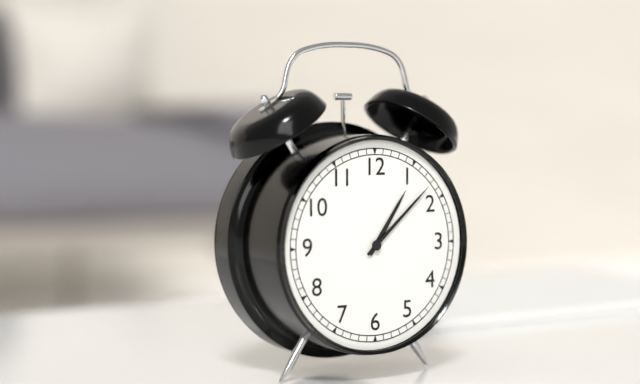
1:08
